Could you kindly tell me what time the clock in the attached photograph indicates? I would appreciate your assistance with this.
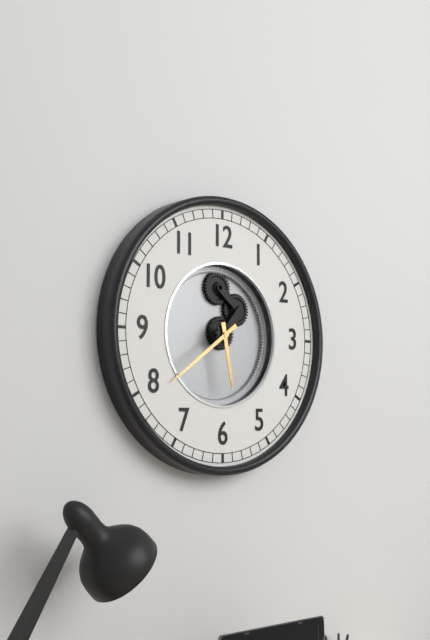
5:39
